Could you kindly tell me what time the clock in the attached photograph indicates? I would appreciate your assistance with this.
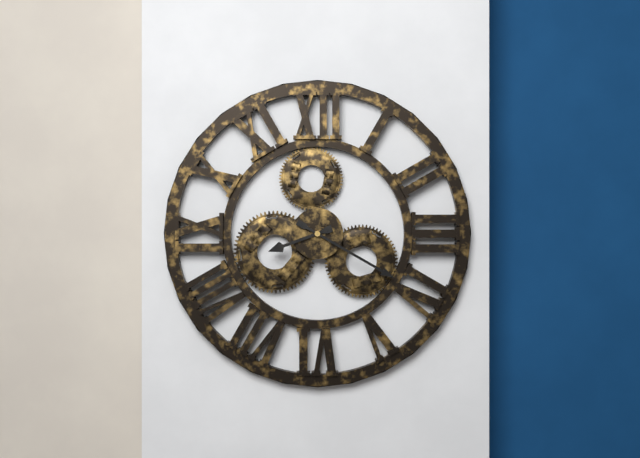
8:20
